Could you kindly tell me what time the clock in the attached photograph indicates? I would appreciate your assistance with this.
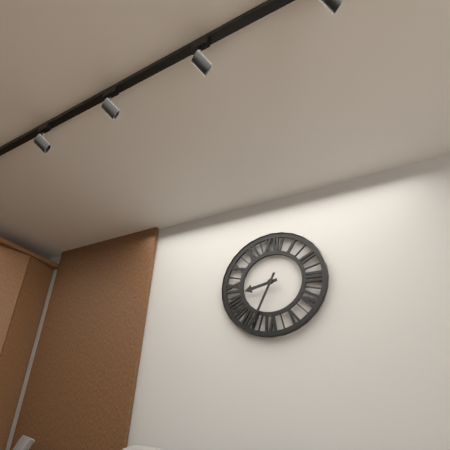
8:34
